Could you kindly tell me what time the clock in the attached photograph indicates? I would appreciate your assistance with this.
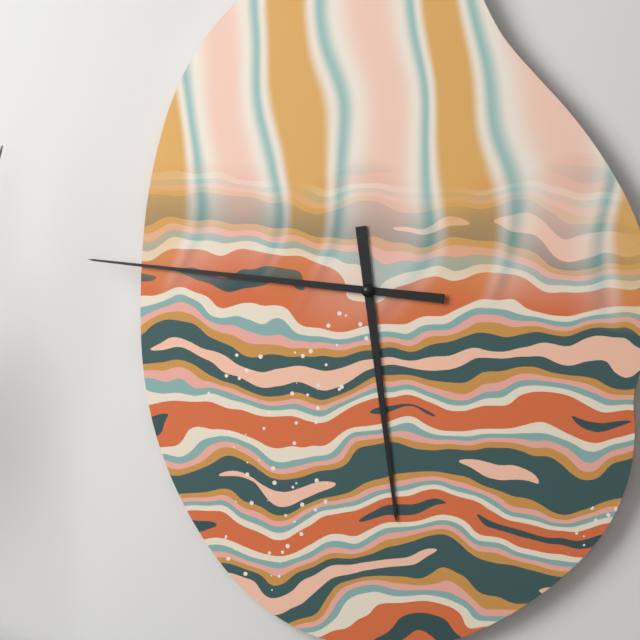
5:46
